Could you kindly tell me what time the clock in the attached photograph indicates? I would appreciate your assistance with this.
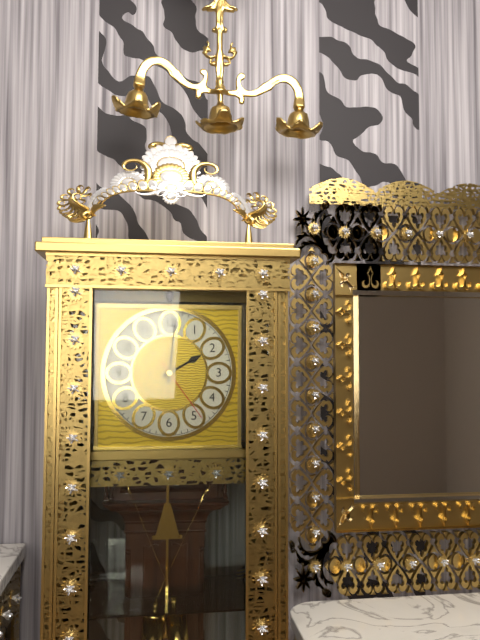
2:01:24
